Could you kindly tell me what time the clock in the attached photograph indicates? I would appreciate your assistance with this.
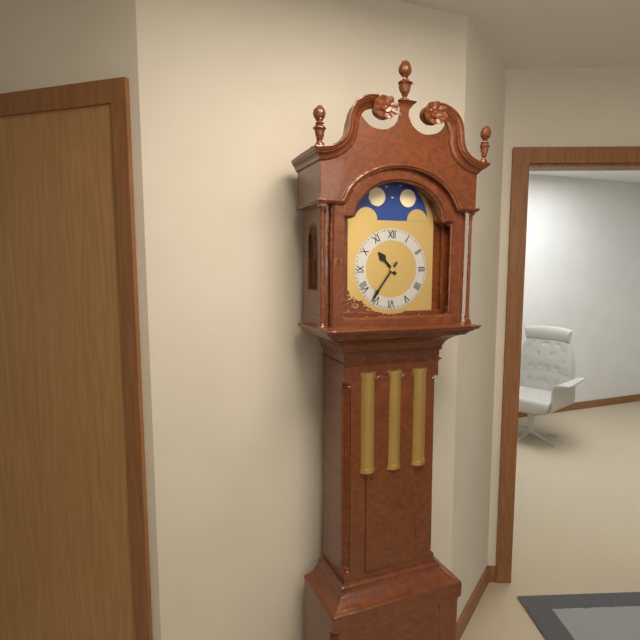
10:36
